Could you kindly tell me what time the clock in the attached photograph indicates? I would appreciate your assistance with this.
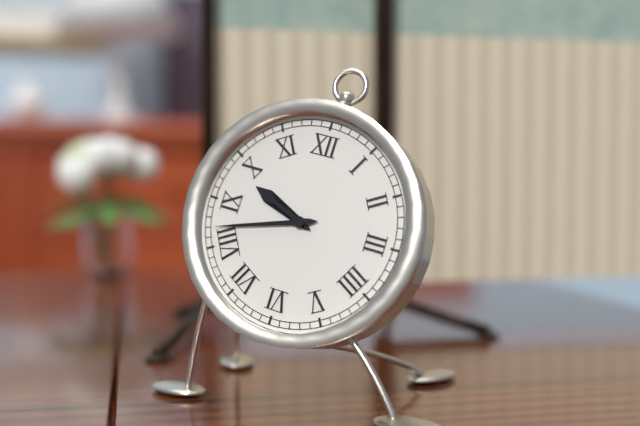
9:42
